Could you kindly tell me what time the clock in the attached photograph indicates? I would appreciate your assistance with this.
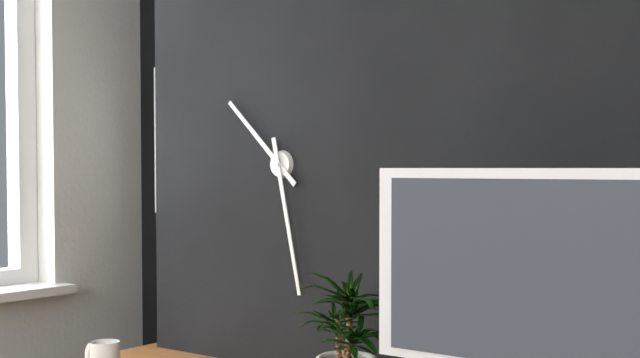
10:28
